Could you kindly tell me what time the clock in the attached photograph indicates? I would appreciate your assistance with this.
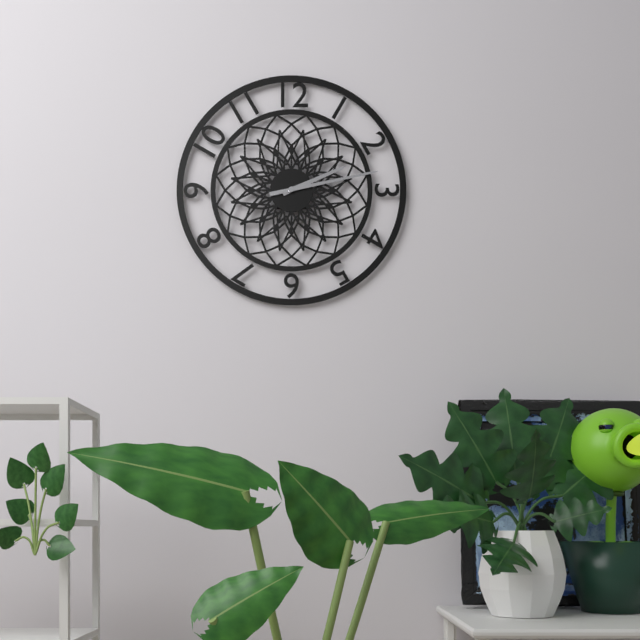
2:13
